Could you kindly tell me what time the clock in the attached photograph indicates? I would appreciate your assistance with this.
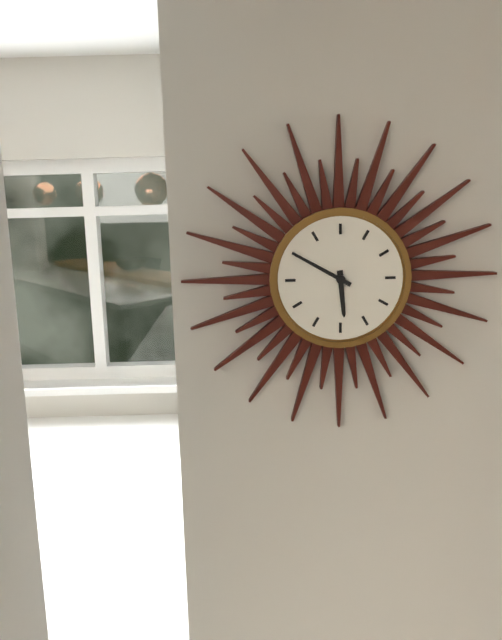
5:50
